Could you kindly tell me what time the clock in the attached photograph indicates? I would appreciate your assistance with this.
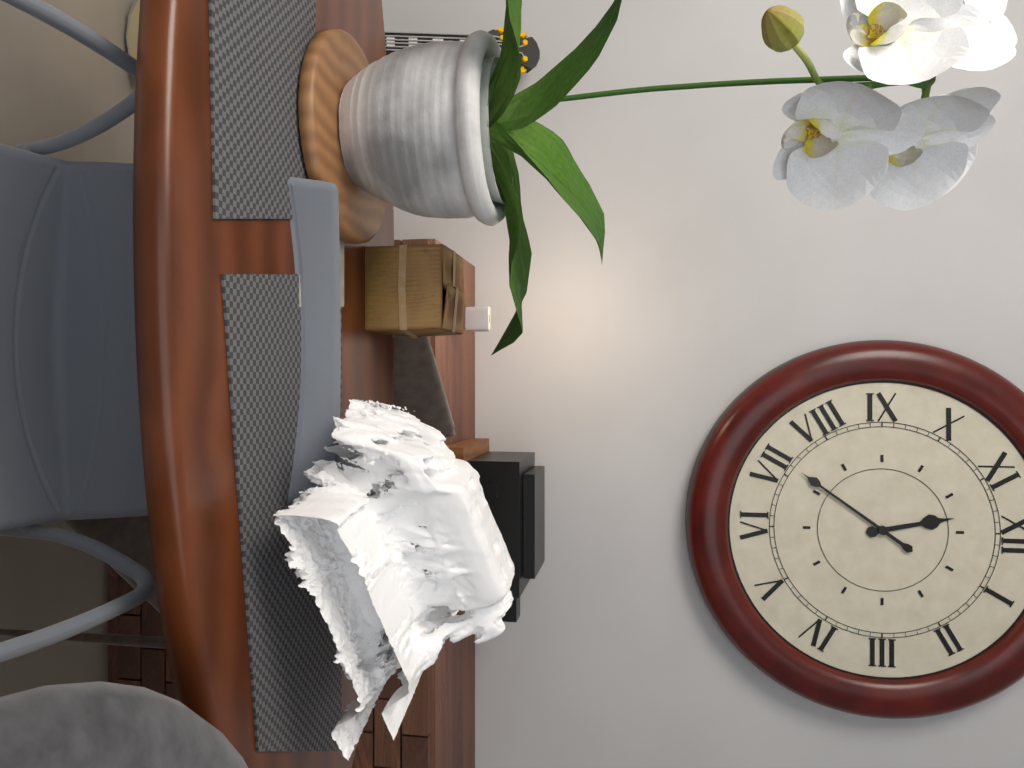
11:36
